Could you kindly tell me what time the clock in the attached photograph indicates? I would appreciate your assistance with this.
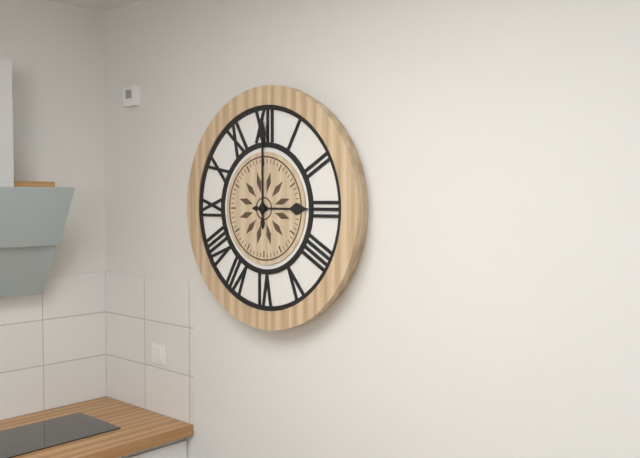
3:00
